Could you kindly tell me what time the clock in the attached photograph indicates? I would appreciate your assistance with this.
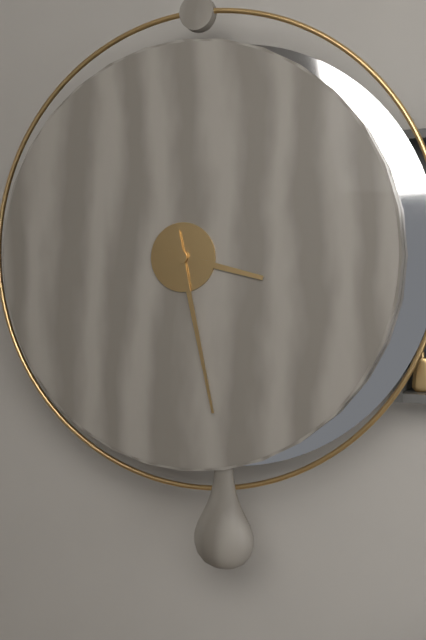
3:28
